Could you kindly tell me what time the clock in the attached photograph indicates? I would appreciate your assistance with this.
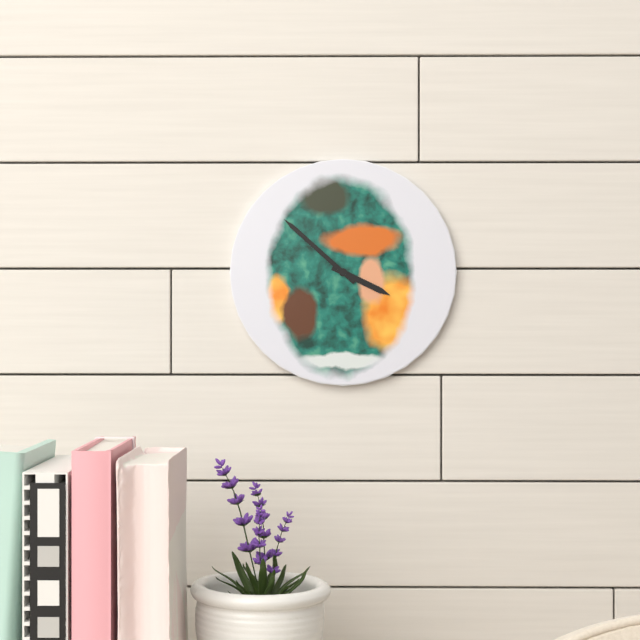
3:52
